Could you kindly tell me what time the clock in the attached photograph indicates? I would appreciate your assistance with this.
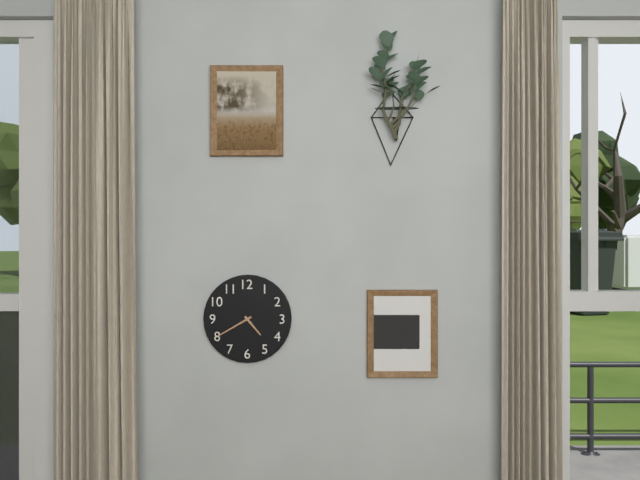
4:40
